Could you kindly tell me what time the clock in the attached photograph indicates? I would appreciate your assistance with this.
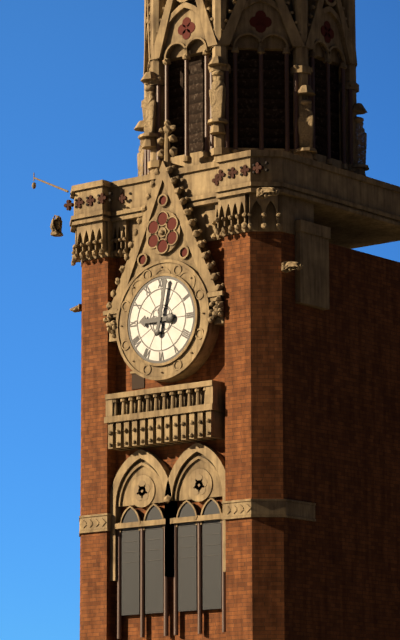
9:02
